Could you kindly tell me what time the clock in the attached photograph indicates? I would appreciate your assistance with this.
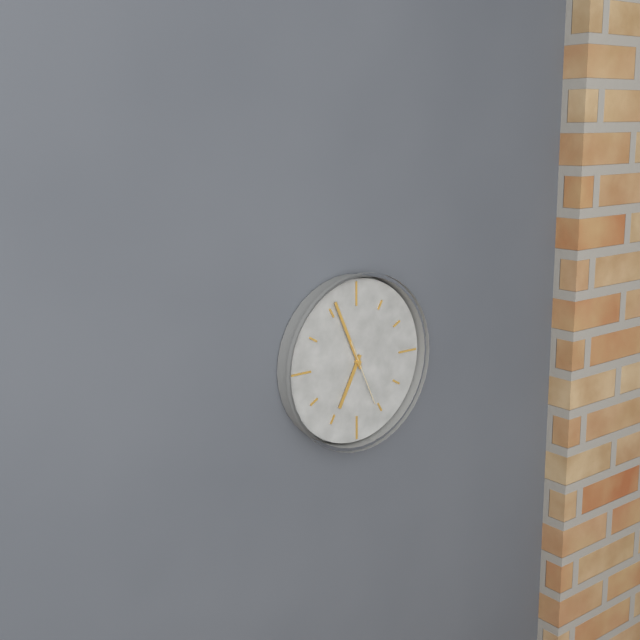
6:56:26
